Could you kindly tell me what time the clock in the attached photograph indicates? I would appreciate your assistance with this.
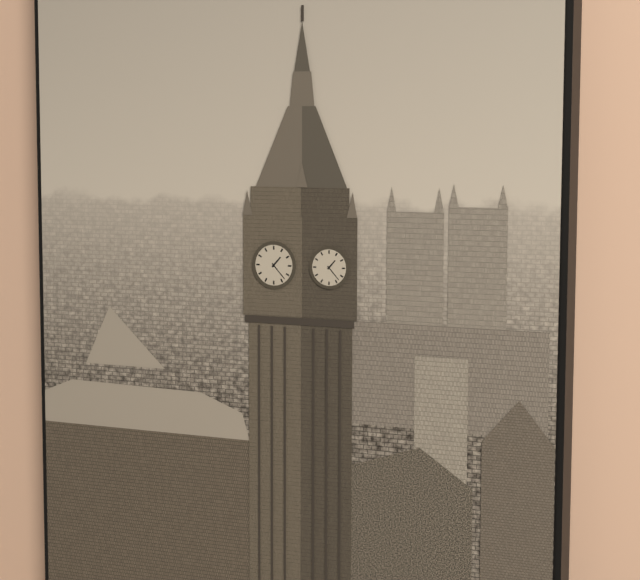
1:23
